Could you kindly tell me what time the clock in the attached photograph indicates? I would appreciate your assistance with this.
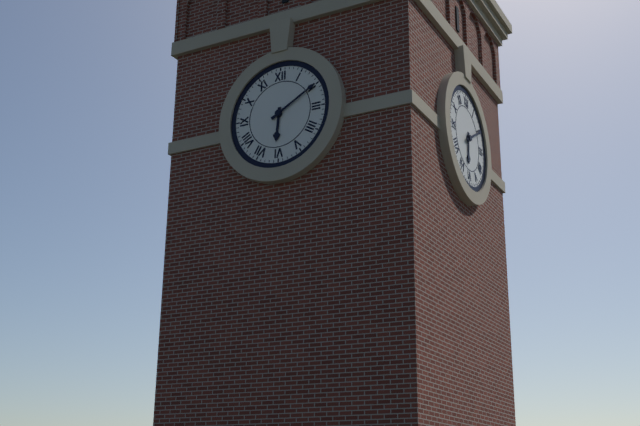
6:10
